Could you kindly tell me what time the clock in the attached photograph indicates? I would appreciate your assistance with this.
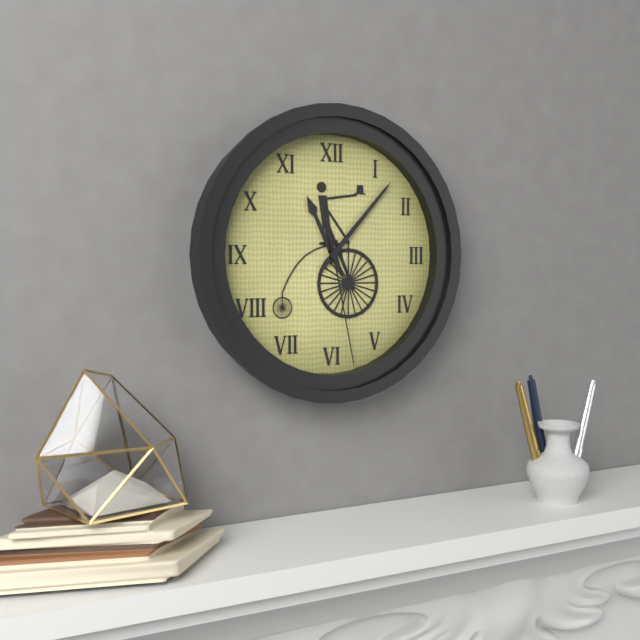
11:07:28
